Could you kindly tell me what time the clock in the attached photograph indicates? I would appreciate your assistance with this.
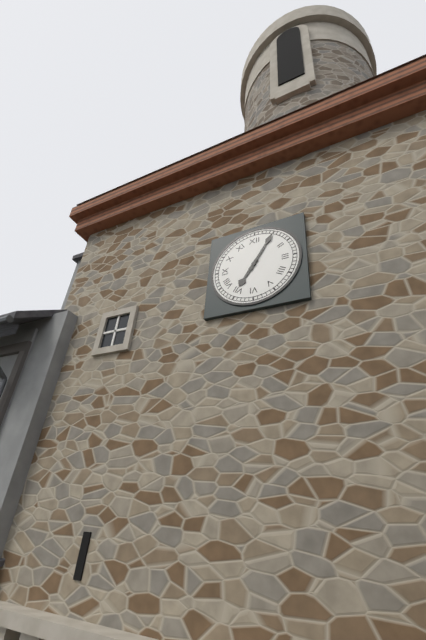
7:05
